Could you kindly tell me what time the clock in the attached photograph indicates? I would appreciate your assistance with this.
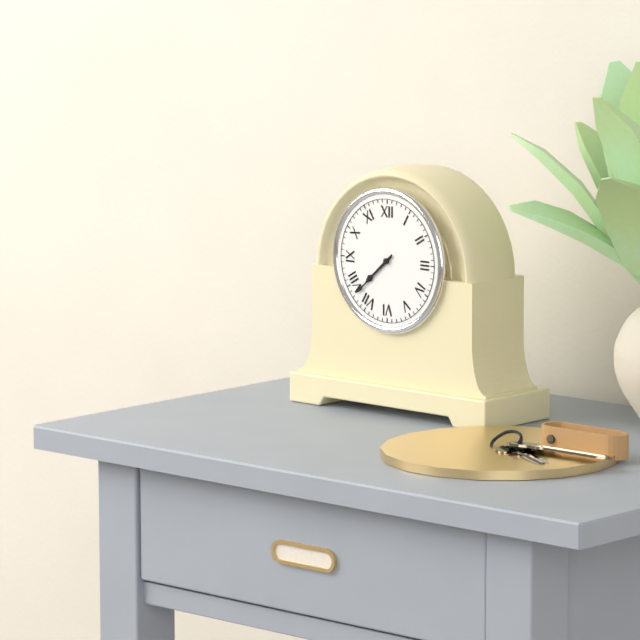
7:38
